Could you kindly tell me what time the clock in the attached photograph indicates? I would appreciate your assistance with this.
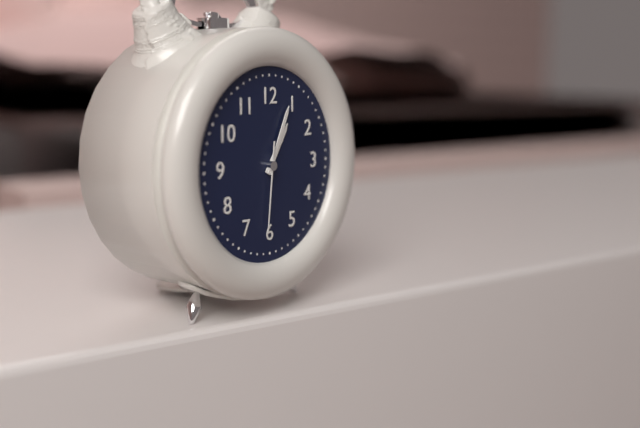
1:04:31
